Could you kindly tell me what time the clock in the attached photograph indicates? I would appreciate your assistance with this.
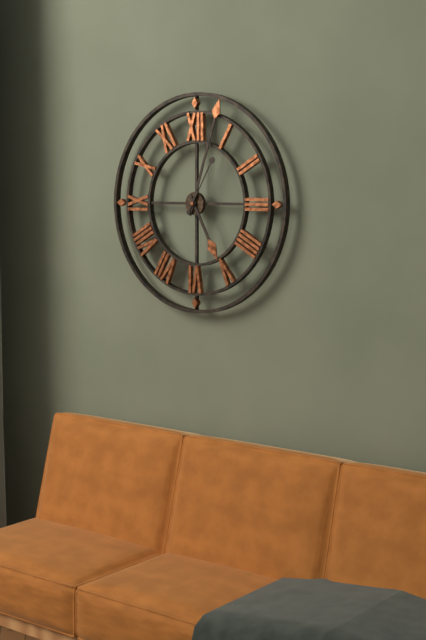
5:03:05
